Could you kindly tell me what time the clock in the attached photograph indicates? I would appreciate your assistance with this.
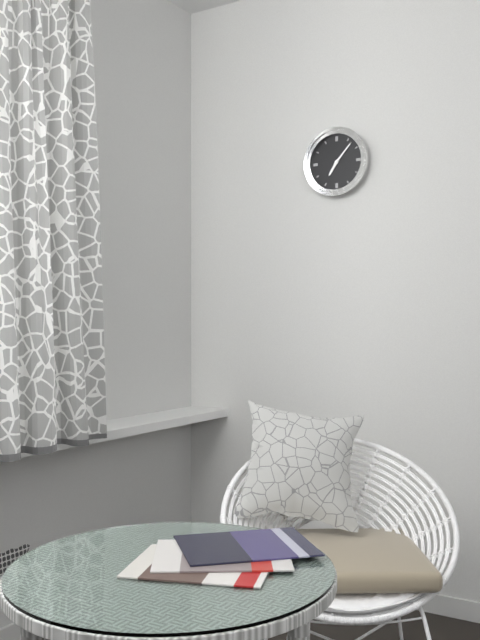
7:07
